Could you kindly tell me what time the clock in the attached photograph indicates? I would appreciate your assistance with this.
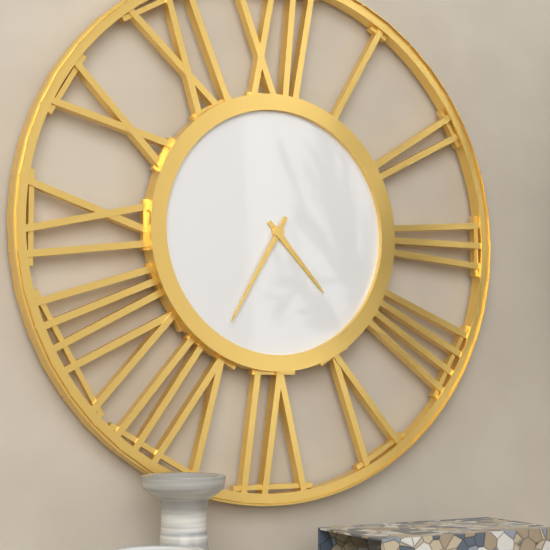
4:35
